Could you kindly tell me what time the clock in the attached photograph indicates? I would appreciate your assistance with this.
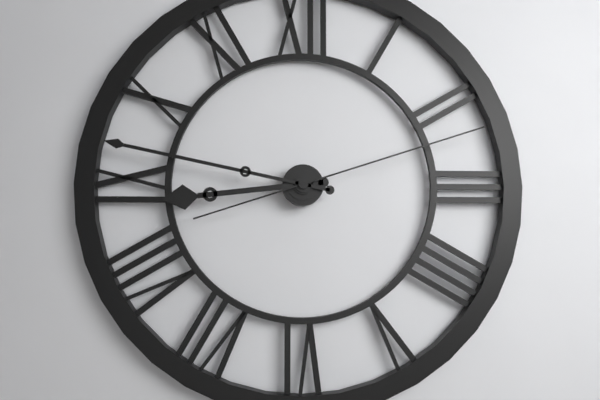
8:47:12
